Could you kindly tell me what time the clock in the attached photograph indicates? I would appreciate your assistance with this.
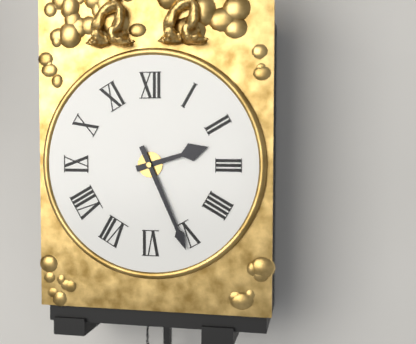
2:26
